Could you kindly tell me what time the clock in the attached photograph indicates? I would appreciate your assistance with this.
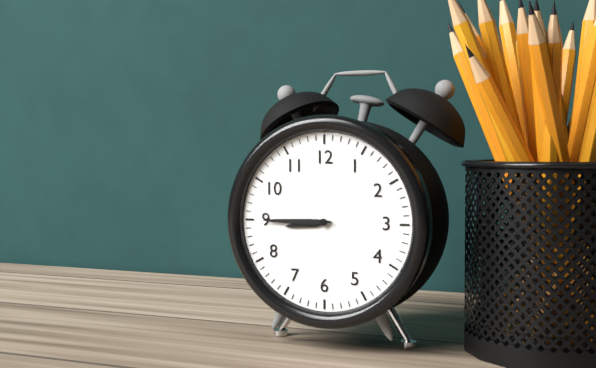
8:45
